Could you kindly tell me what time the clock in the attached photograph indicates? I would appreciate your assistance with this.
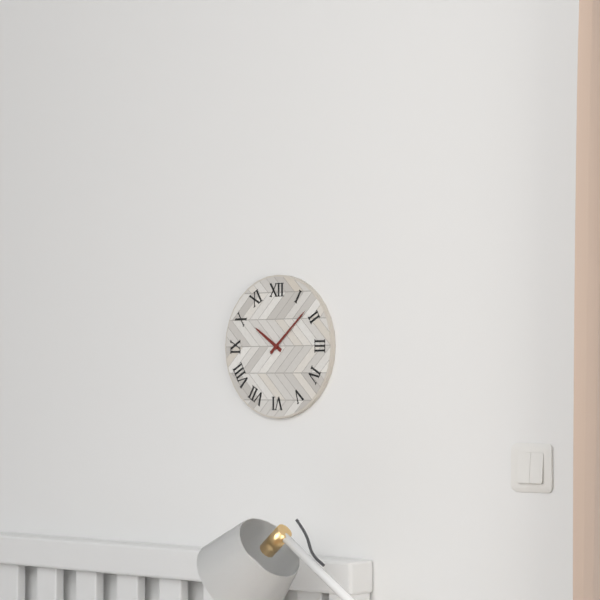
10:08
